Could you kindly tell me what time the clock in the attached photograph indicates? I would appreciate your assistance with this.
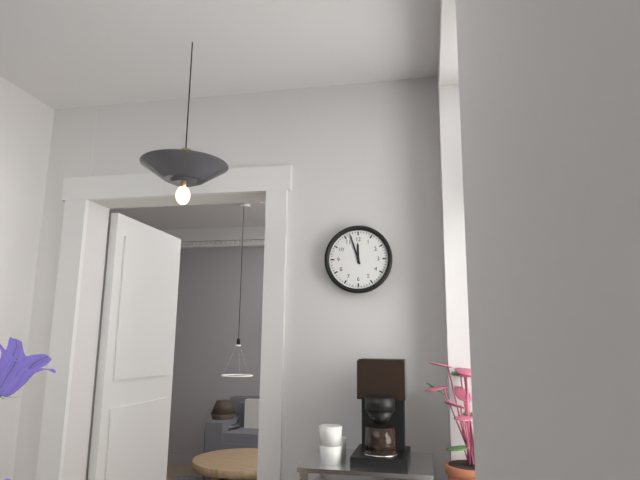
11:57
